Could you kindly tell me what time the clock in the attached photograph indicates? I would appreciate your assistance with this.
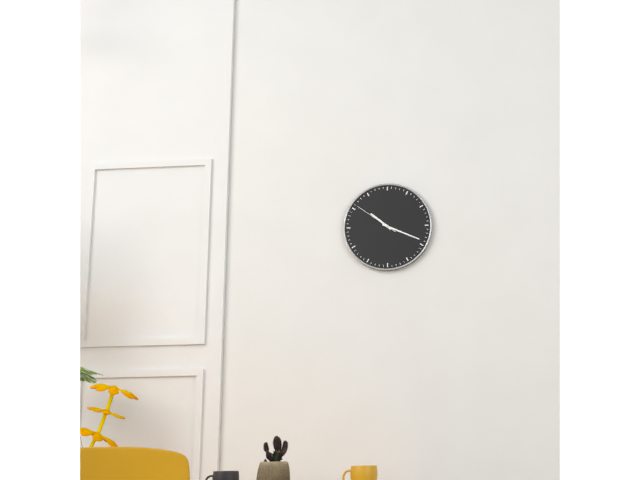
10:19
